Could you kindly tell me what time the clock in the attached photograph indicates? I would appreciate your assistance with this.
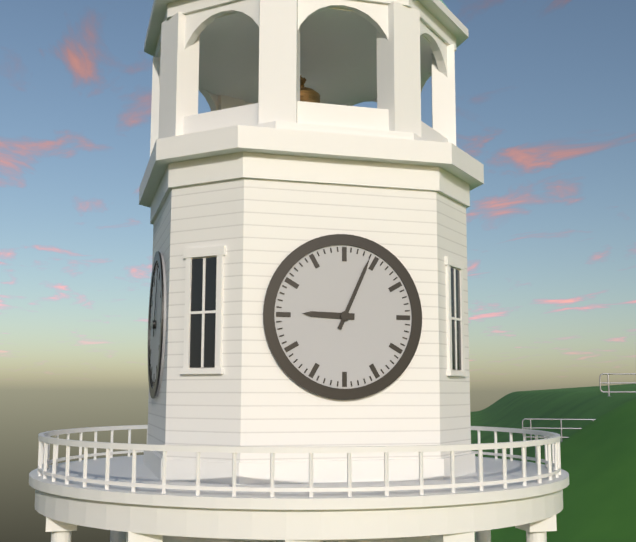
9:04
